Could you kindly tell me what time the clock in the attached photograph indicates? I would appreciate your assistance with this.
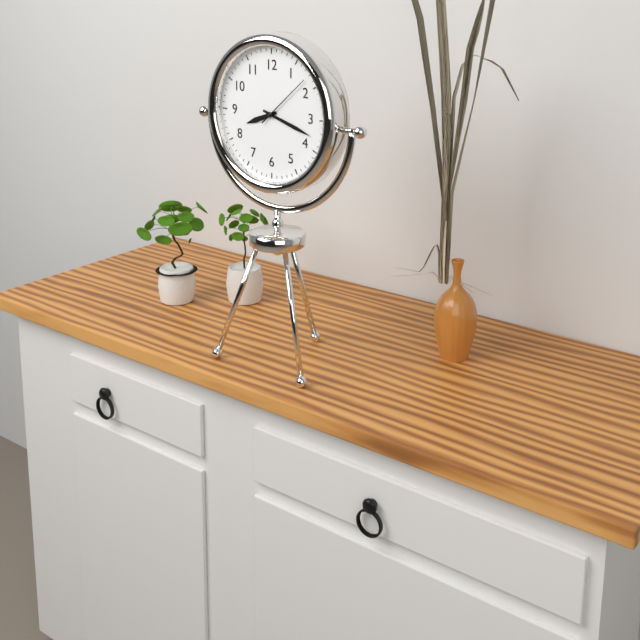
8:18:08
